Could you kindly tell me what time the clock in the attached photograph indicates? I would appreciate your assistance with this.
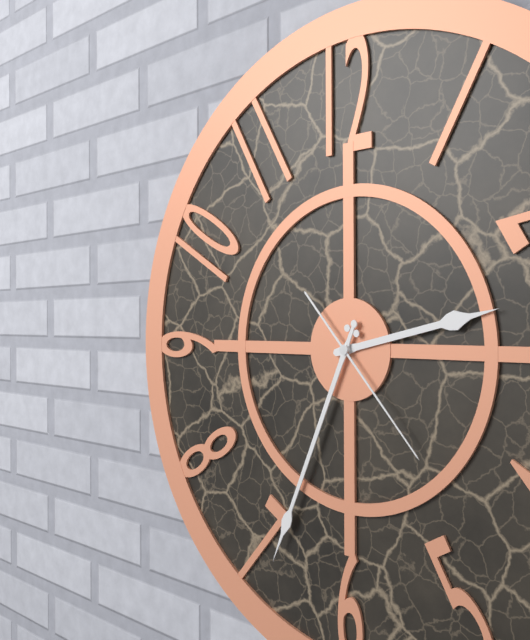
2:34:23
